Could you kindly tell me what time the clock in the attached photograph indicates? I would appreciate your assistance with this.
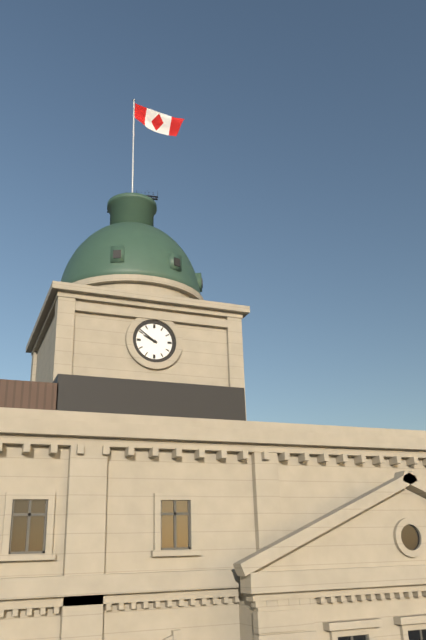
9:51
